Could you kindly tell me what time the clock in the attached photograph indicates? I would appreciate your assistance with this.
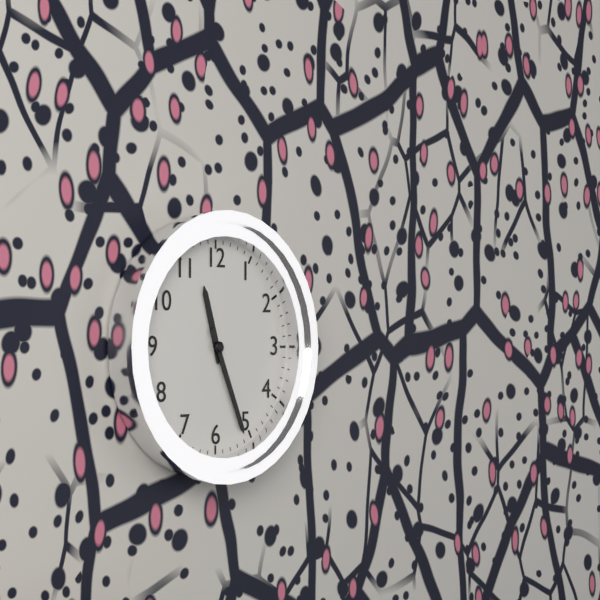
11:26
